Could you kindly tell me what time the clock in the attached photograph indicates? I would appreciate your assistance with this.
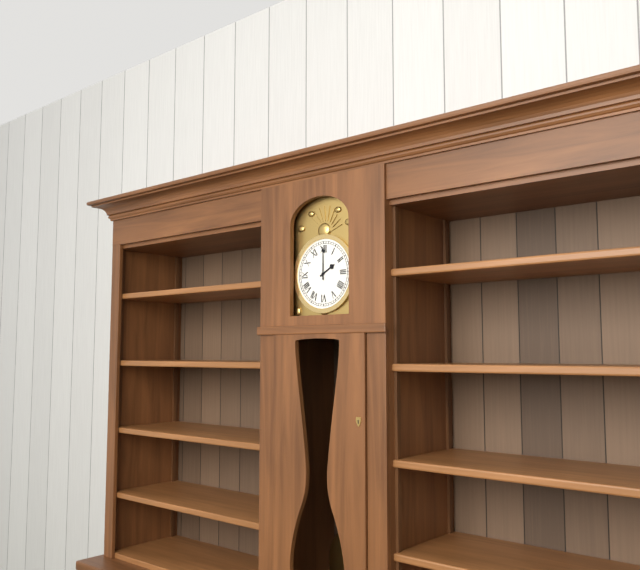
2:00
